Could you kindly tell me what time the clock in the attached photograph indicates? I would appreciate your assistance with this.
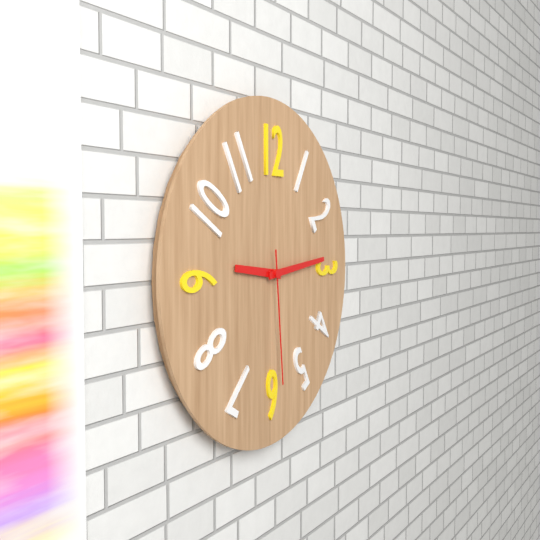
9:14:29
